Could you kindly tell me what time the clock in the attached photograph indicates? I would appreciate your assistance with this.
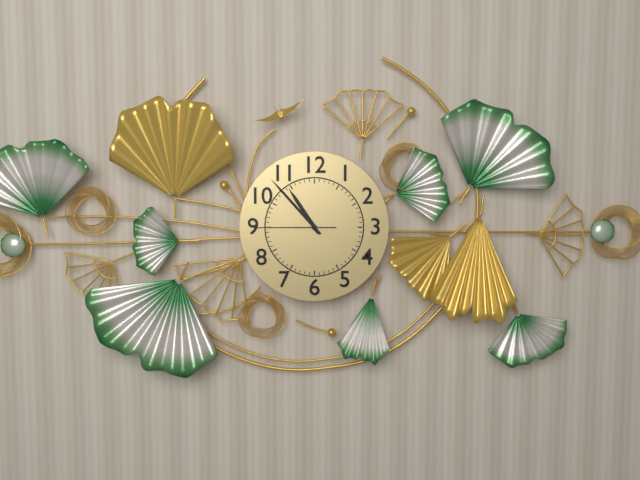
10:53:45
